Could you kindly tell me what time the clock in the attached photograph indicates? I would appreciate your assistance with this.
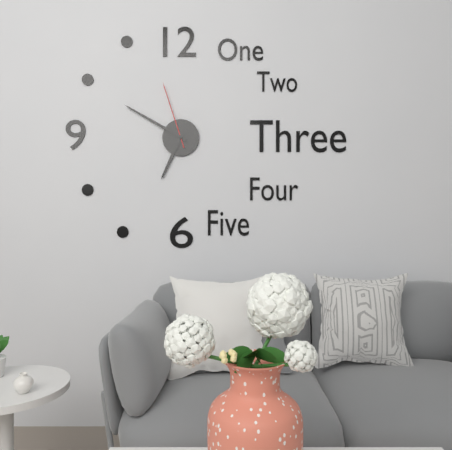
6:50:57
